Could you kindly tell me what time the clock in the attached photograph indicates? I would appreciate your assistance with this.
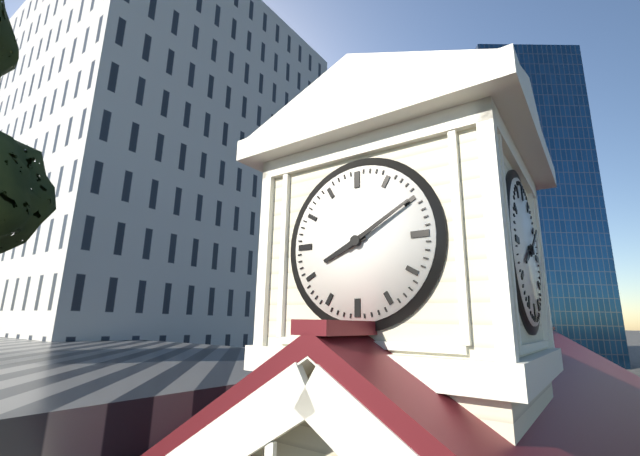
8:10
